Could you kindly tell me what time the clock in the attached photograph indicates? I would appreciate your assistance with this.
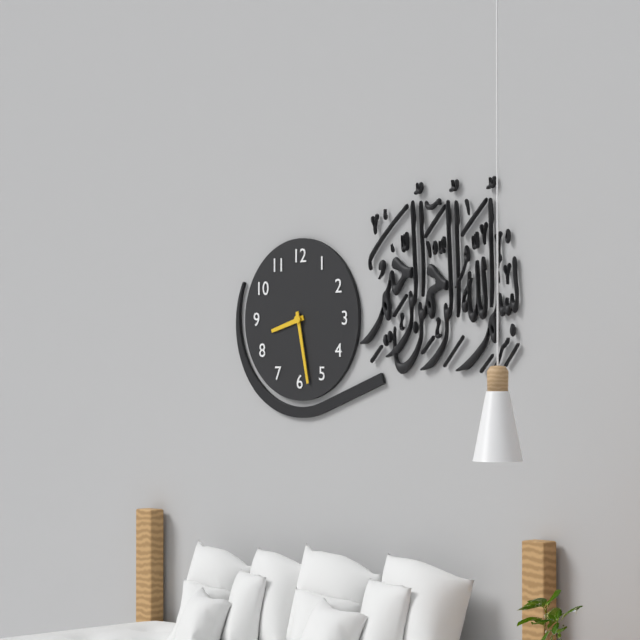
8:28
